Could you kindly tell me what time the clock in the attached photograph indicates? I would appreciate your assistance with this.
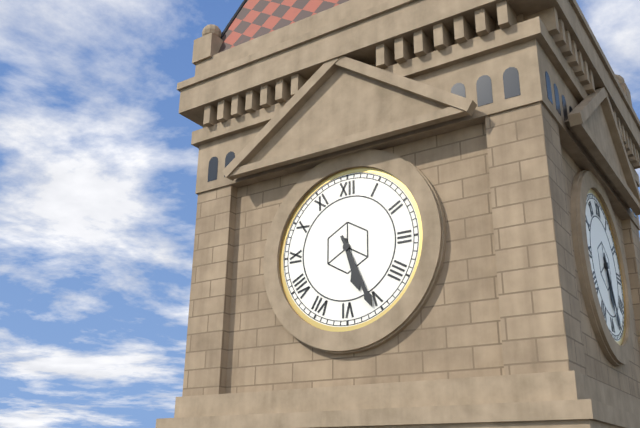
5:26
